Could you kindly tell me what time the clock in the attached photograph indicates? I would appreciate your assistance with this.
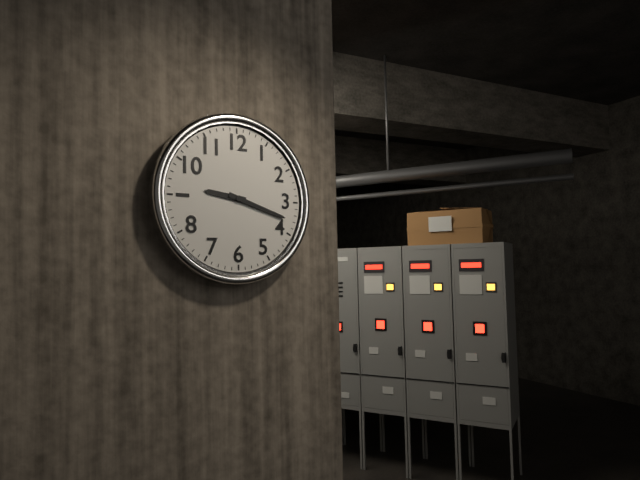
9:18
